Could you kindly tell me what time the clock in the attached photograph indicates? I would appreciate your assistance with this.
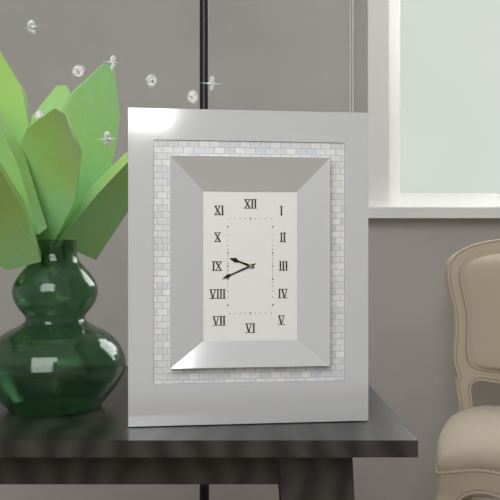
9:41
